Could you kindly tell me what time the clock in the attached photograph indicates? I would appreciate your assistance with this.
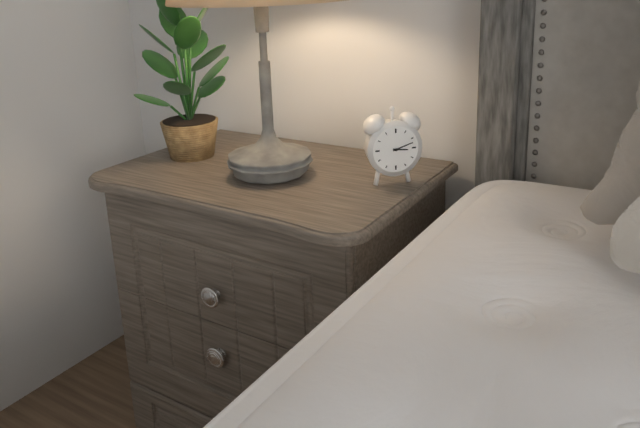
3:12
